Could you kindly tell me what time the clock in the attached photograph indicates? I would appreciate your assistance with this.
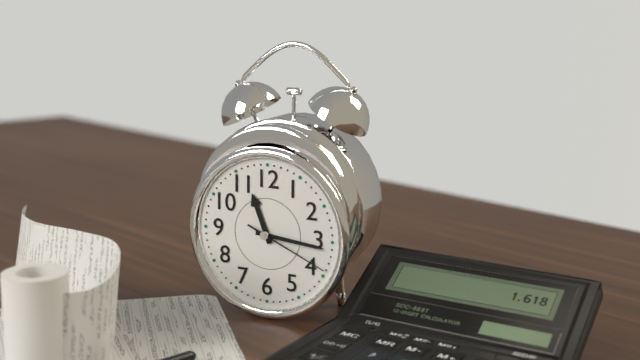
11:16:19
